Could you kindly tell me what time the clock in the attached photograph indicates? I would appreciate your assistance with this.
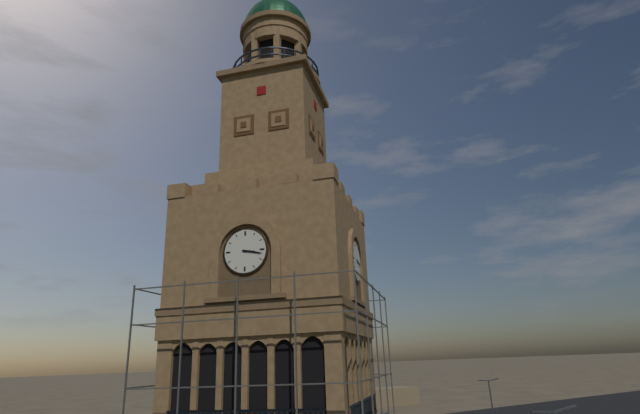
3:17
